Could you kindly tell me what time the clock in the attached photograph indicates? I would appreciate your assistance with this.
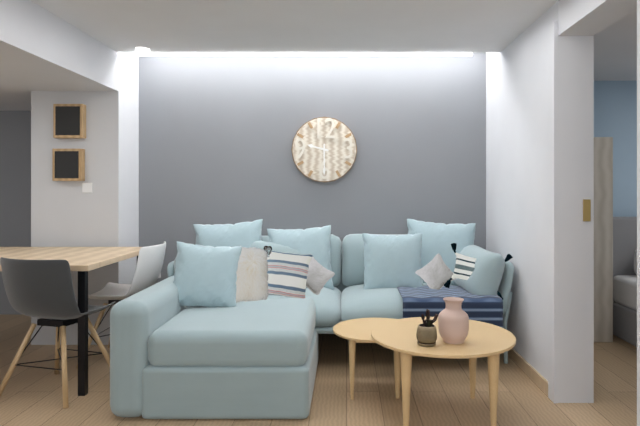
9:30
